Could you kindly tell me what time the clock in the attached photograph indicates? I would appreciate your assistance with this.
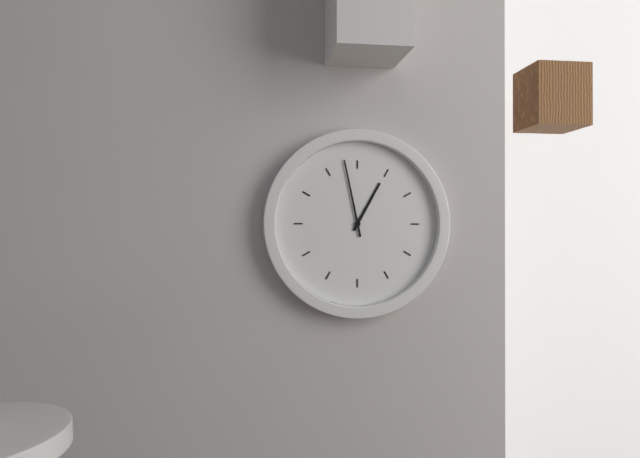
12:58
